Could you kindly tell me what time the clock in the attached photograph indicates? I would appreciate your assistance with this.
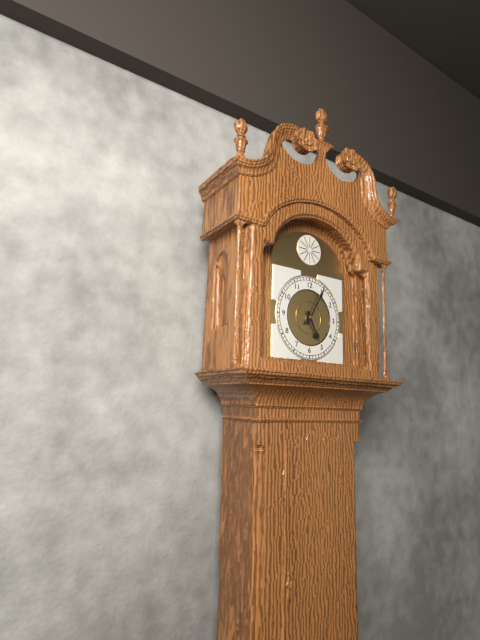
5:05
